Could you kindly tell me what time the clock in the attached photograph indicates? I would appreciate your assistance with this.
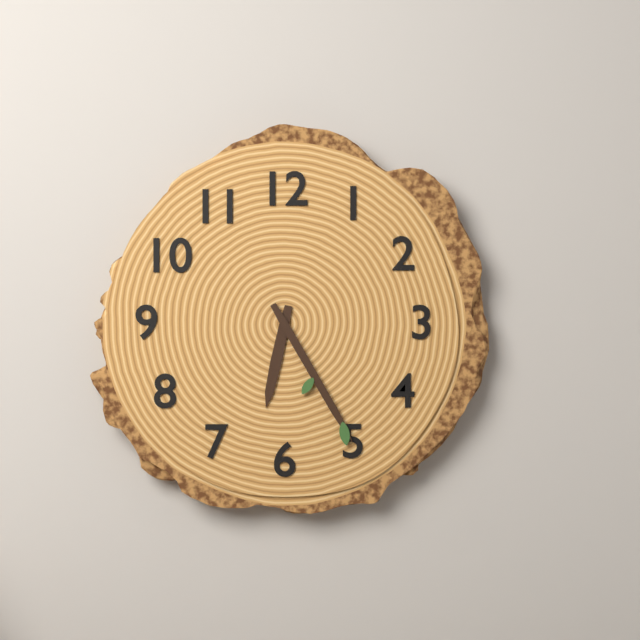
6:25
